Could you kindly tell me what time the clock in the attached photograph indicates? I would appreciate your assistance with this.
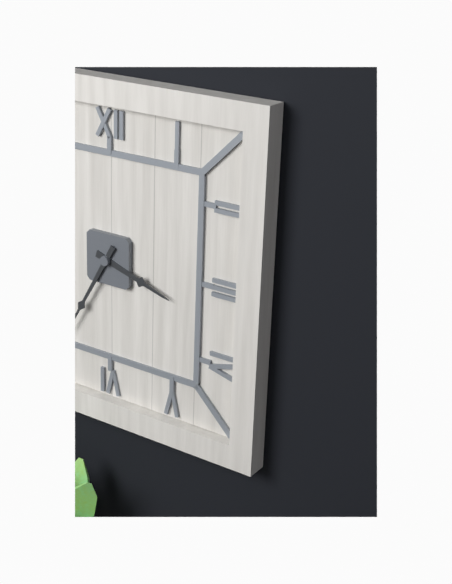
3:35
